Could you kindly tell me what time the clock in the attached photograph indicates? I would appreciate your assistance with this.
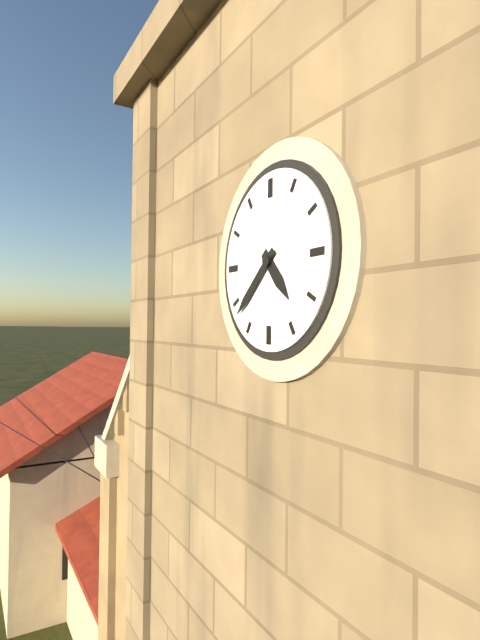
4:38
